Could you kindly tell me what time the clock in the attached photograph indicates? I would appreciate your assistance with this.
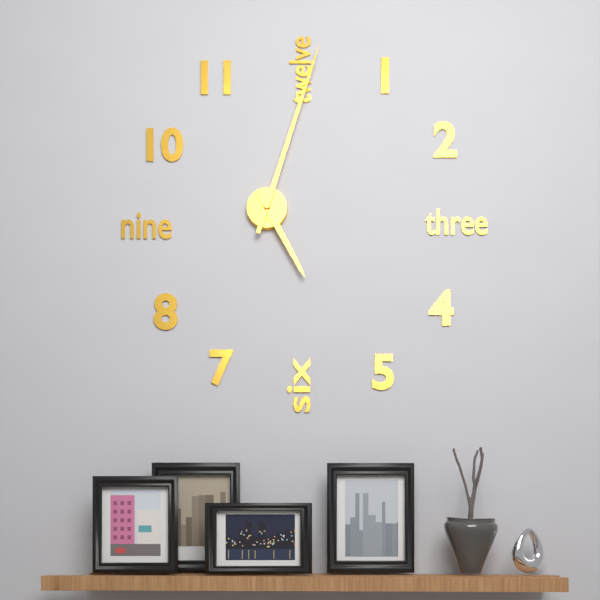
5:03
